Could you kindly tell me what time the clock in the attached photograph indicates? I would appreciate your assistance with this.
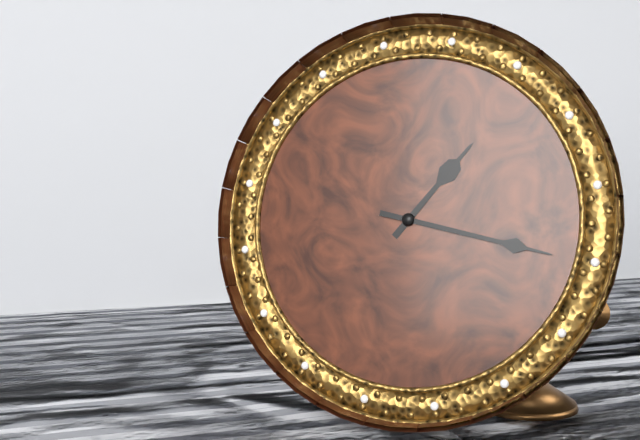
1:17
